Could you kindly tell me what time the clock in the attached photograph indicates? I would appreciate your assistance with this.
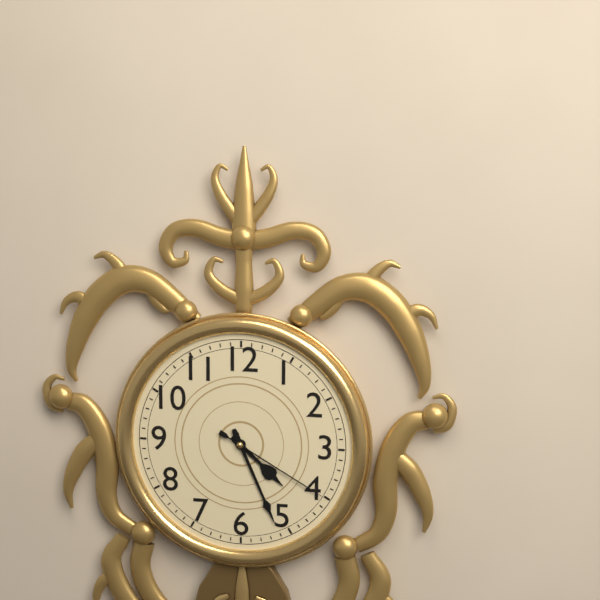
4:26:20
